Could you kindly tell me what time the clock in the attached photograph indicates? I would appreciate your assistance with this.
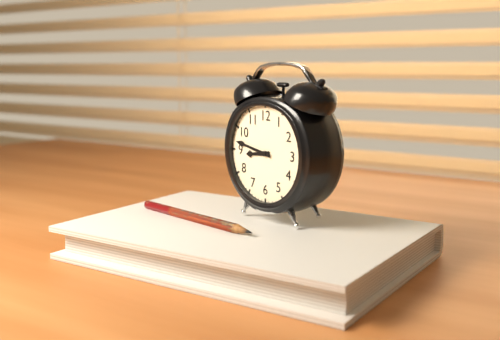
8:47
